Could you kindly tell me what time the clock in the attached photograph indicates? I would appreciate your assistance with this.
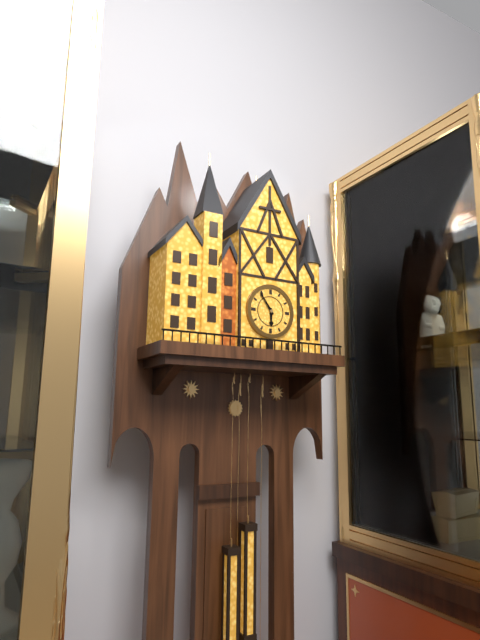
5:54
